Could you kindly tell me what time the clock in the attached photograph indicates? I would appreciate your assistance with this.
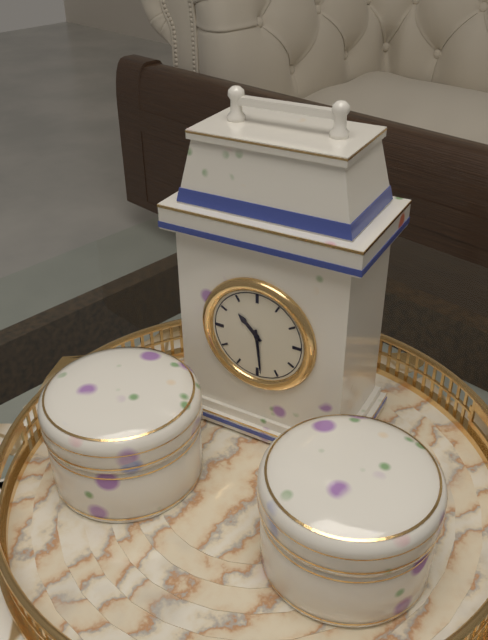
10:29
